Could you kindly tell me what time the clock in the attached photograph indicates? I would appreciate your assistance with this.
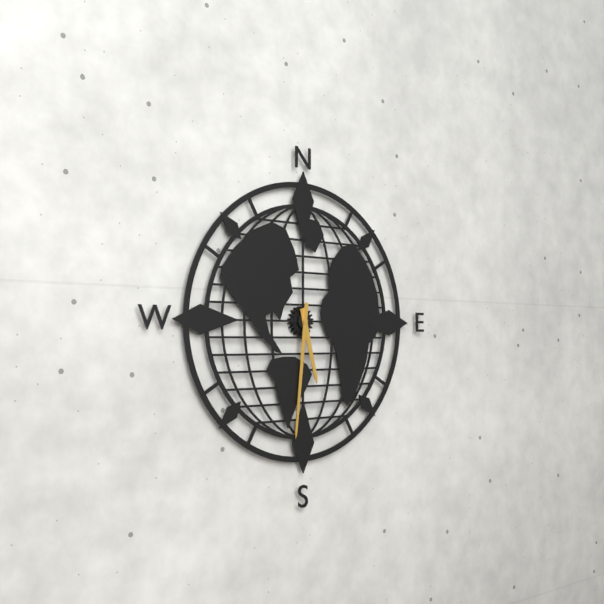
5:31
